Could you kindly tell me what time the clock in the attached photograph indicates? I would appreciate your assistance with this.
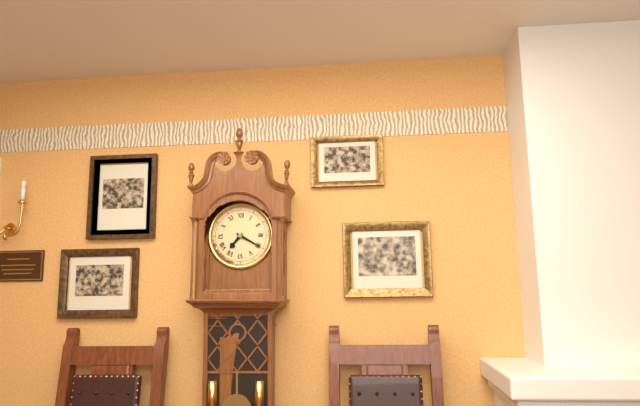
7:20
